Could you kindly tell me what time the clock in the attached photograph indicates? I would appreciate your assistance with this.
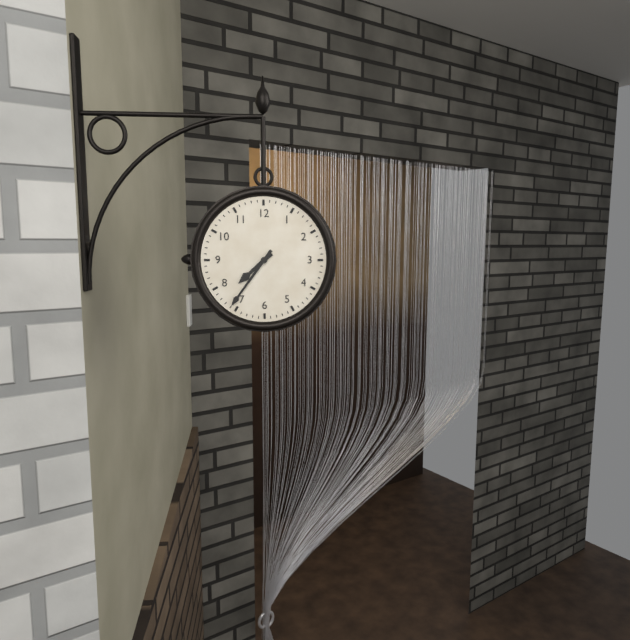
7:36
